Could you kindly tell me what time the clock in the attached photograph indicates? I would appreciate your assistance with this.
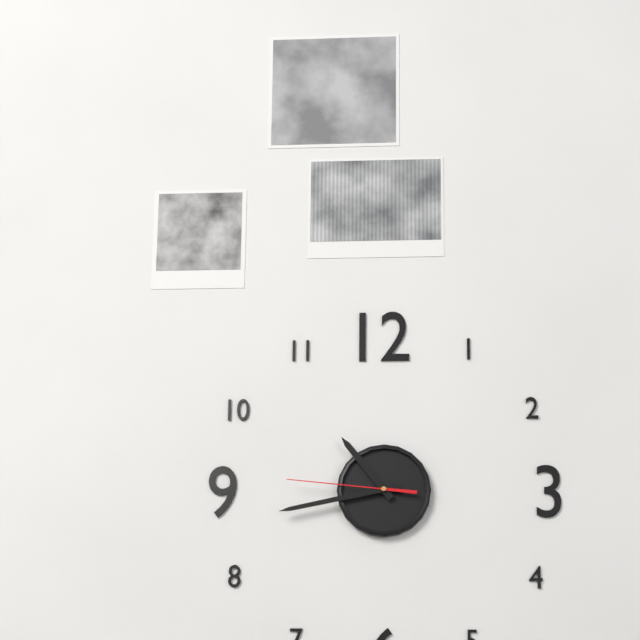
10:43:46
